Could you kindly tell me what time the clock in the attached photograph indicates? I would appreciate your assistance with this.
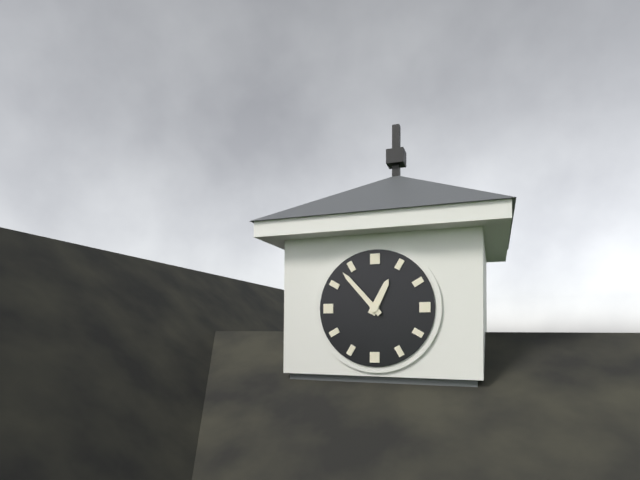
12:53
